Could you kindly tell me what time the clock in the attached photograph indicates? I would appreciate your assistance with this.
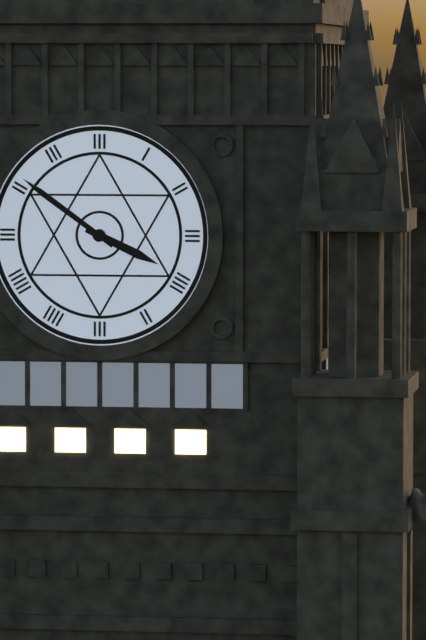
3:51
